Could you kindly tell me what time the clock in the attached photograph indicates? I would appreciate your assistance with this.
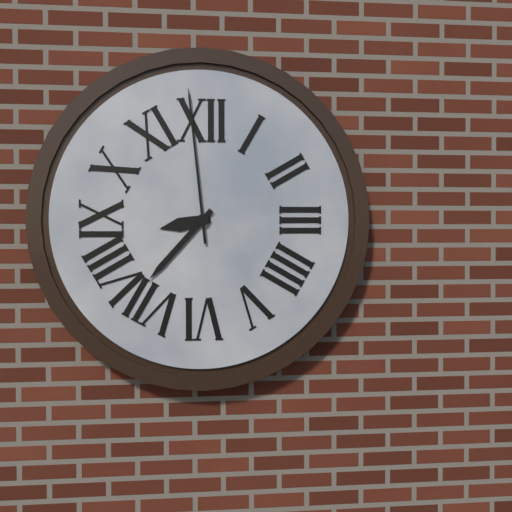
8:37:59
